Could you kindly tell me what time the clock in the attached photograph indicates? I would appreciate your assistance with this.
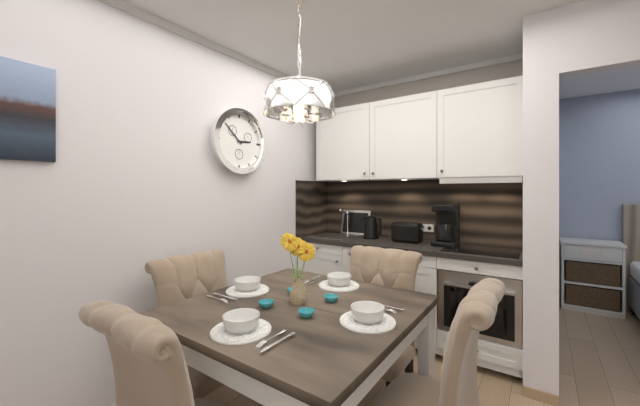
2:52
